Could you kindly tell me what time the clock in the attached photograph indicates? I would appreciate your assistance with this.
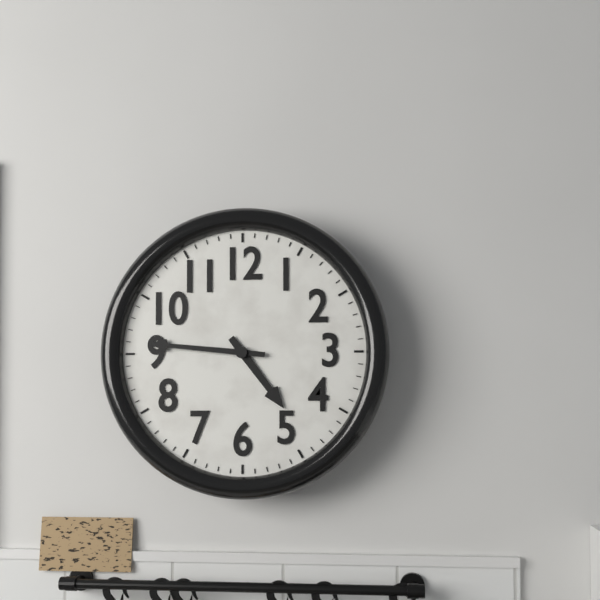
4:46
